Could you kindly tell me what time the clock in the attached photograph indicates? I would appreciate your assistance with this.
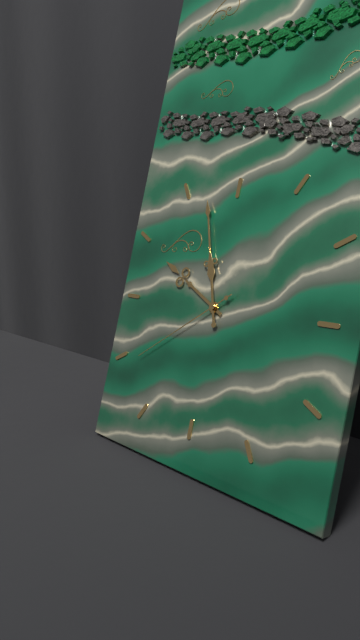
9:57:39
